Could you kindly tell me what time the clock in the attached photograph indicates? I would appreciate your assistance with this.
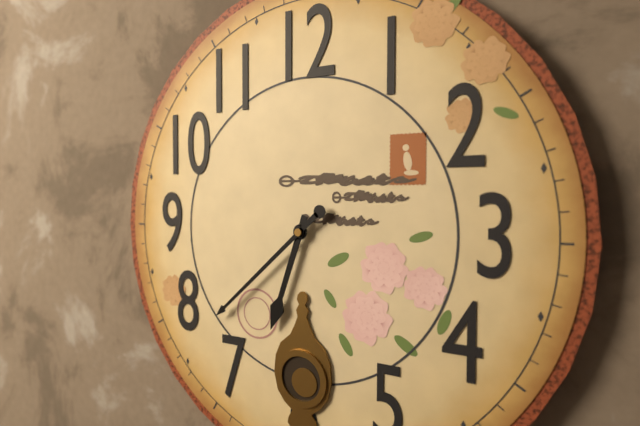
6:38
